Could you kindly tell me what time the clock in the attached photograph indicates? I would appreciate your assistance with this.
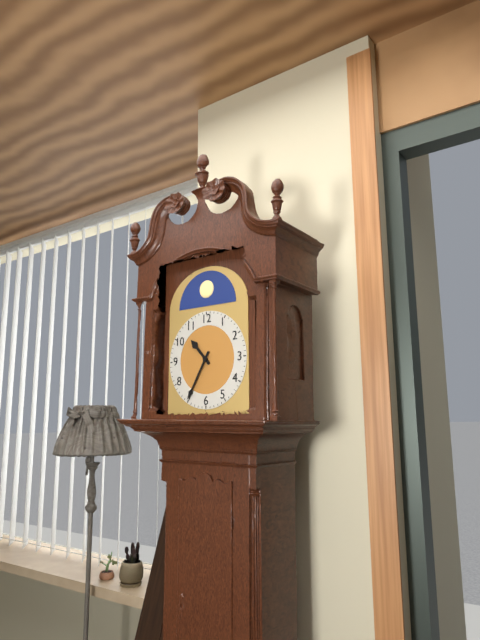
10:35
